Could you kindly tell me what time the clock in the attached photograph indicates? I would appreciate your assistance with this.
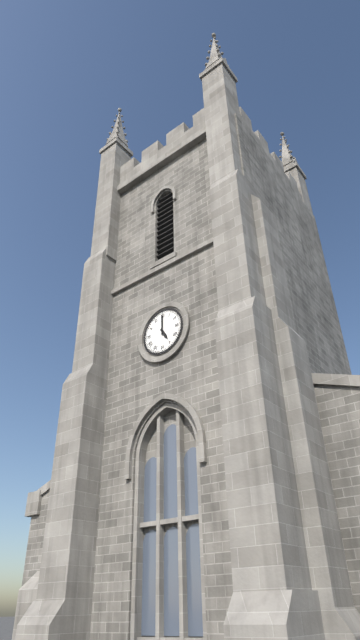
5:00
